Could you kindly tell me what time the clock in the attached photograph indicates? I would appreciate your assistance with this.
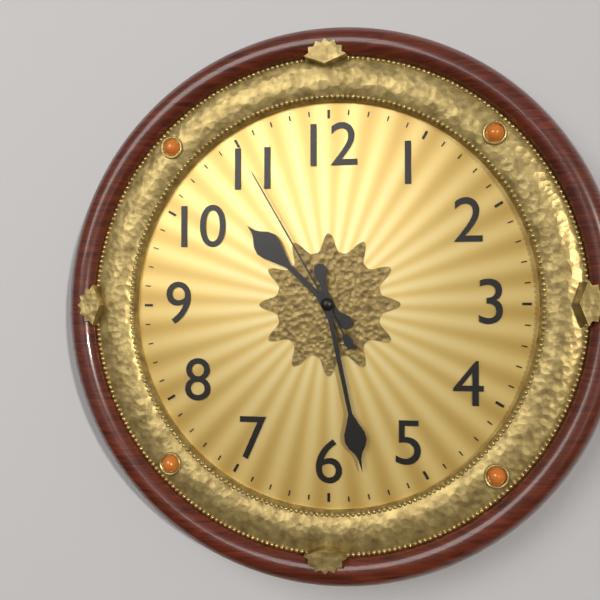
10:28:55
